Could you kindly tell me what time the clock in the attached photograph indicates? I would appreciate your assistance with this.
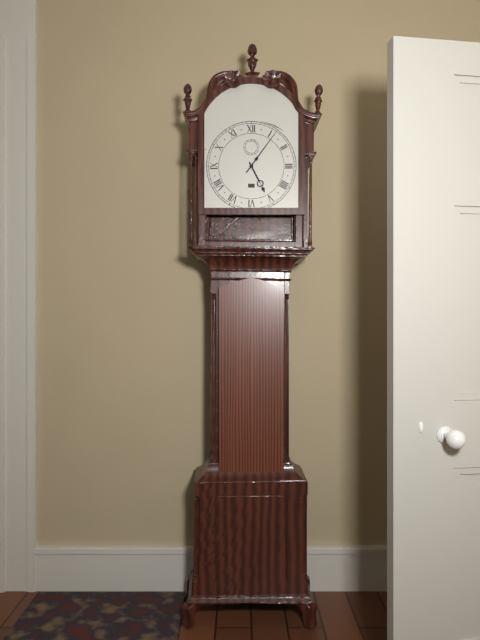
5:06
